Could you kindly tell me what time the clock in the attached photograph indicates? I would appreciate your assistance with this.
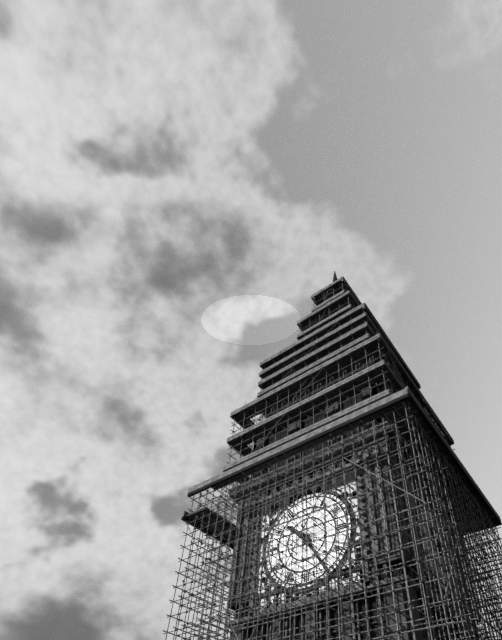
10:25
